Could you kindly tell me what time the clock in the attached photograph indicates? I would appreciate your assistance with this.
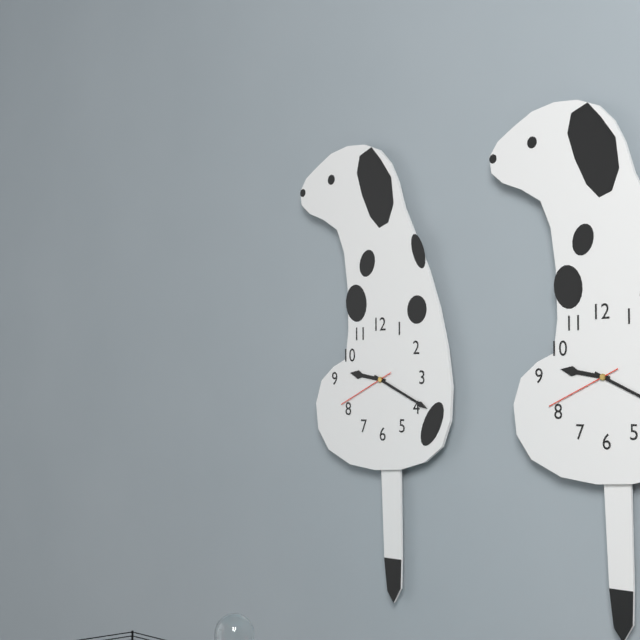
9:19:41
